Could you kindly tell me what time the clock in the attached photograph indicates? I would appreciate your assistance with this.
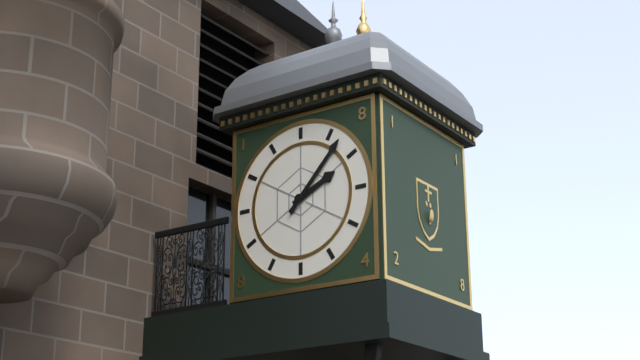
2:07
